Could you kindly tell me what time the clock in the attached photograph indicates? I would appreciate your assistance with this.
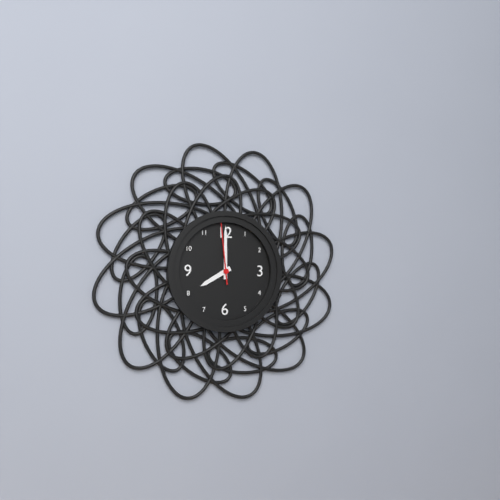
8:00:59
